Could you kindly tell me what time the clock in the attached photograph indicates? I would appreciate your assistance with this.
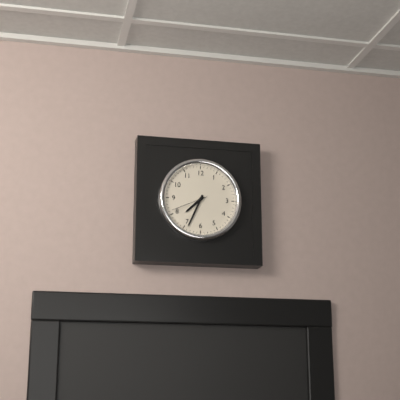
7:34
